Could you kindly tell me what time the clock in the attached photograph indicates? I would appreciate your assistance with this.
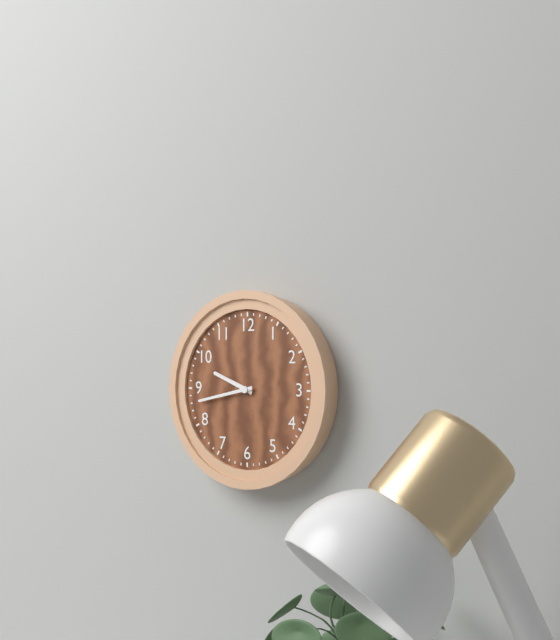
9:43
